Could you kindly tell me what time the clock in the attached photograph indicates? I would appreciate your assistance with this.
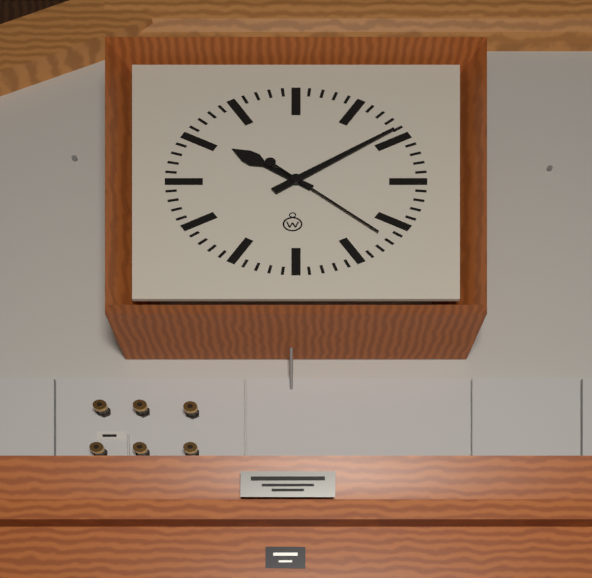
10:09:22
